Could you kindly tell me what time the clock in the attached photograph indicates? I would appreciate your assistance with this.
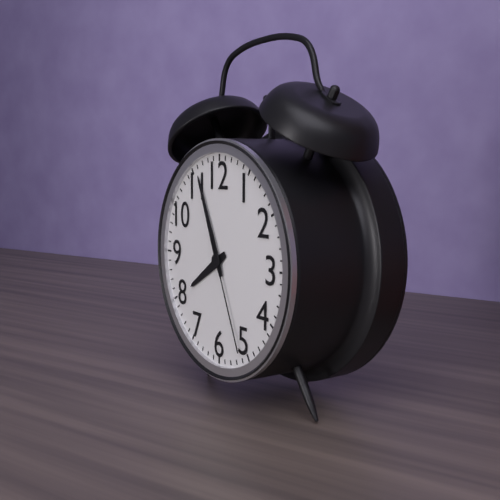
7:56:26
